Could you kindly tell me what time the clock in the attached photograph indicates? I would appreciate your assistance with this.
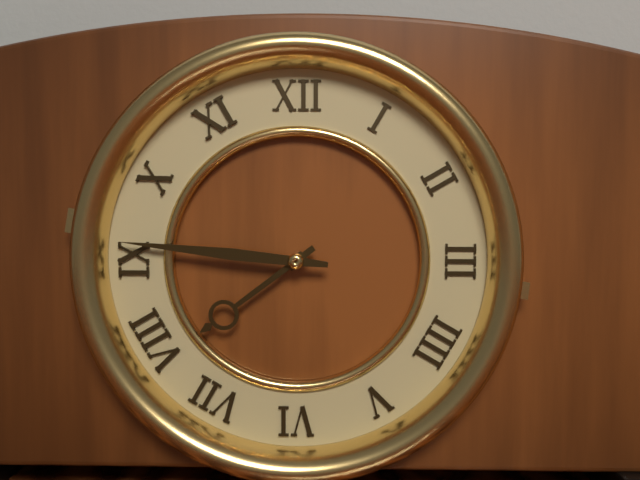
7:46
